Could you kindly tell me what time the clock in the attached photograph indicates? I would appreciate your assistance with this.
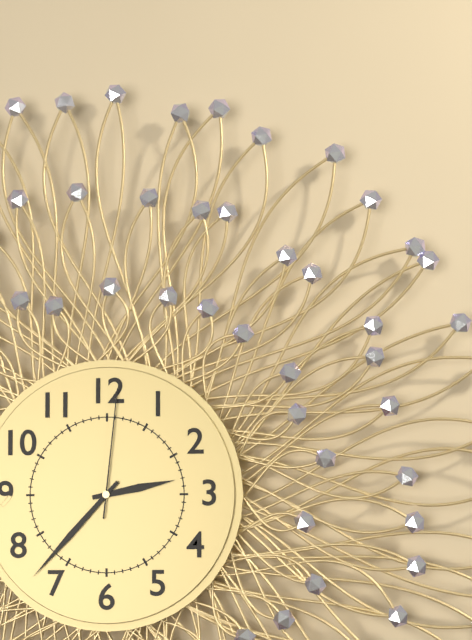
2:37:01
